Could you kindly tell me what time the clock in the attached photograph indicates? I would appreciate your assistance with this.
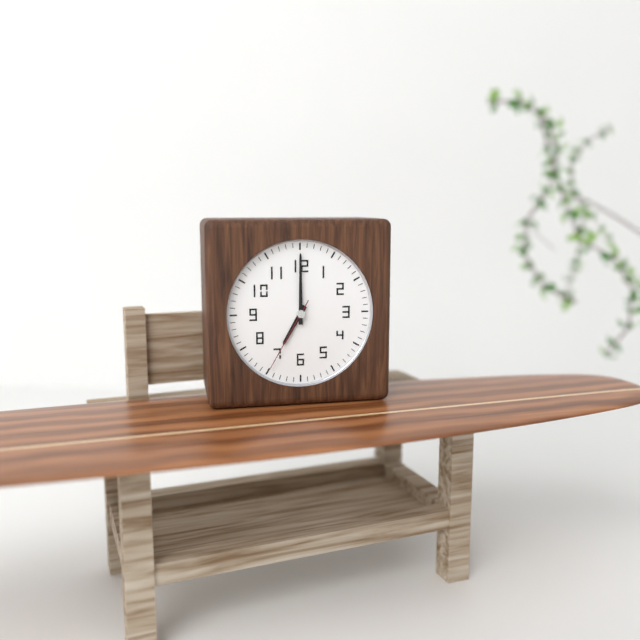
7:00:35
